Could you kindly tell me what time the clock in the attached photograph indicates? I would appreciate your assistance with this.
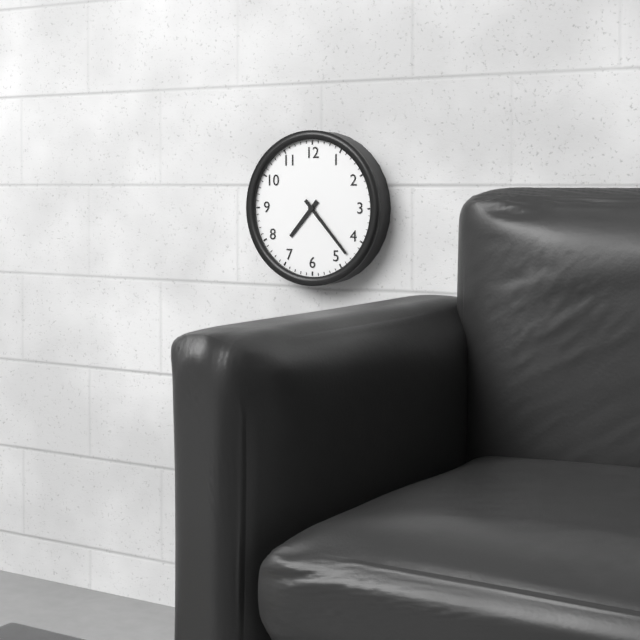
7:23
